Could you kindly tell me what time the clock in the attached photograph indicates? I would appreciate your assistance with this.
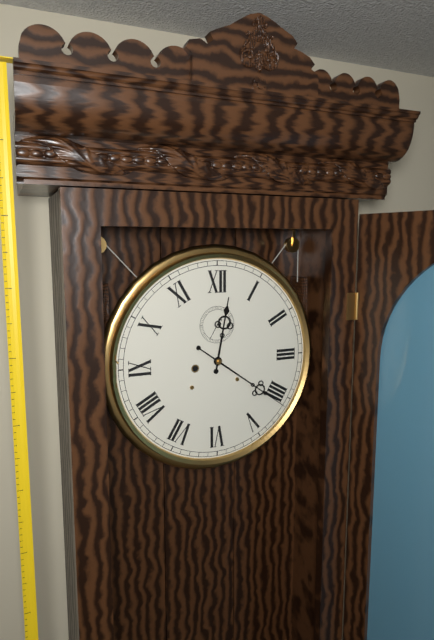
12:21
